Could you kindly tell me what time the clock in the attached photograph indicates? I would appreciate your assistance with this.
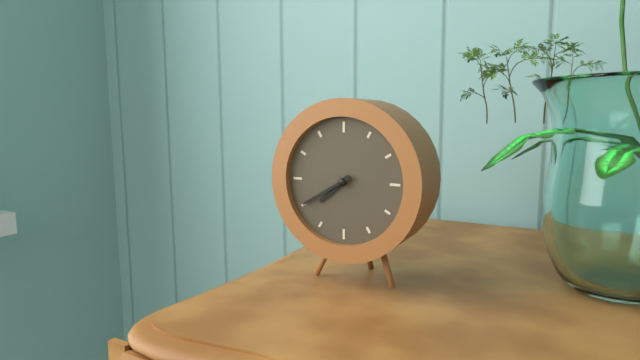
7:40
